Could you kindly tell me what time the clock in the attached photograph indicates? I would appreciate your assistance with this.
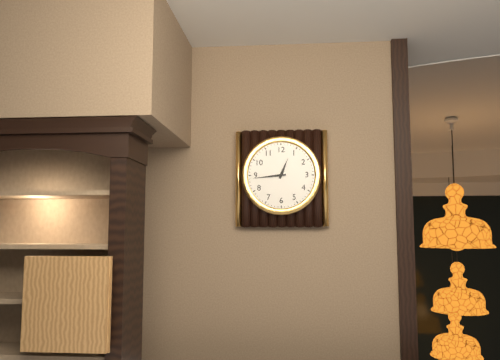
12:44
